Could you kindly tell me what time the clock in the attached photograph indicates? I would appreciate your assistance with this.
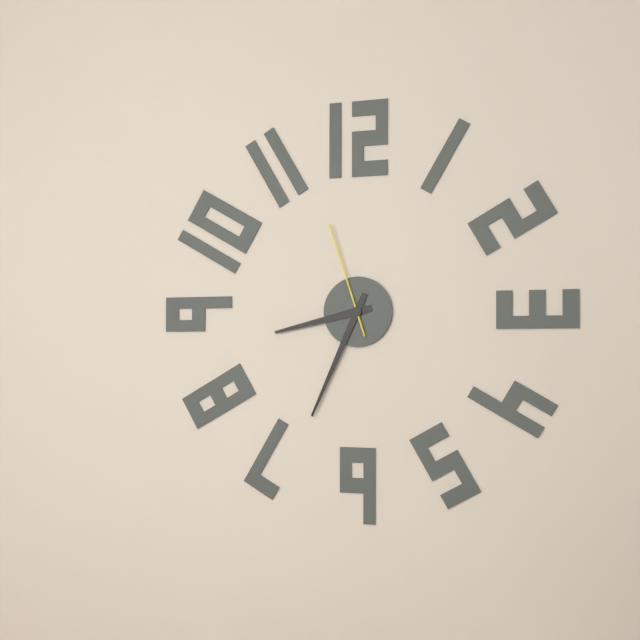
8:34:57
